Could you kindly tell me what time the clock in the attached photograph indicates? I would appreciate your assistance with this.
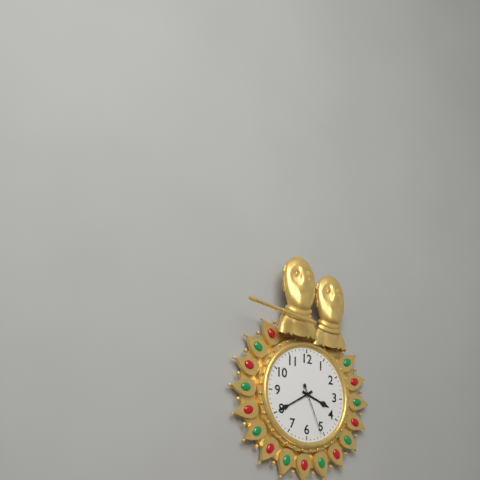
3:40:26
